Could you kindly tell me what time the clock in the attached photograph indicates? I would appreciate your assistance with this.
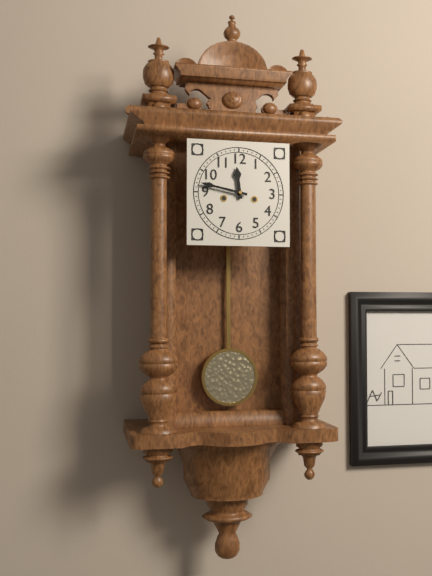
11:47
